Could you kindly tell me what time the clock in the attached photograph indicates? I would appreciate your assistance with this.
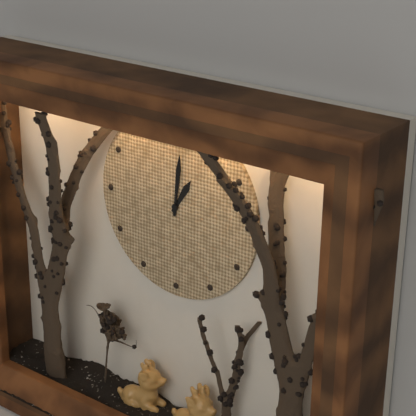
1:01
